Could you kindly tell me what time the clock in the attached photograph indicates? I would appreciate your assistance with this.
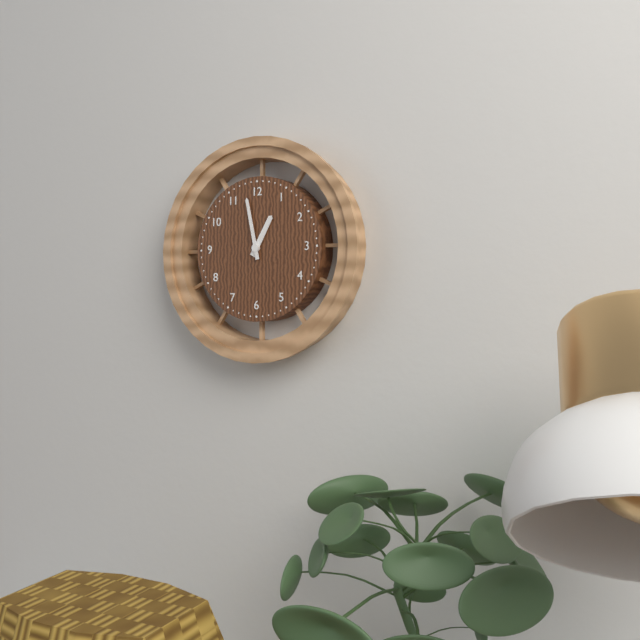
12:58
